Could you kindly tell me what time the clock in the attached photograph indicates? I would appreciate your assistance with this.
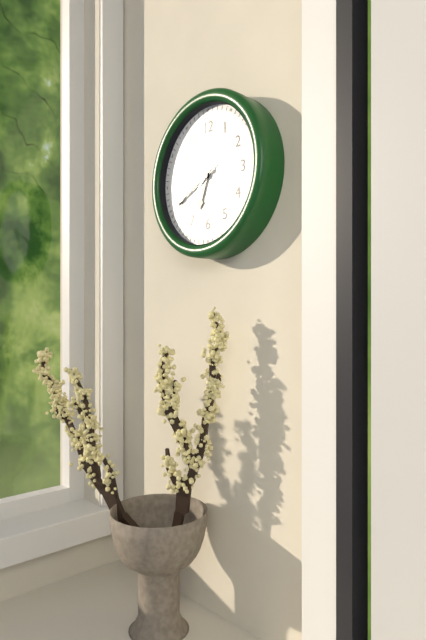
6:41:38
